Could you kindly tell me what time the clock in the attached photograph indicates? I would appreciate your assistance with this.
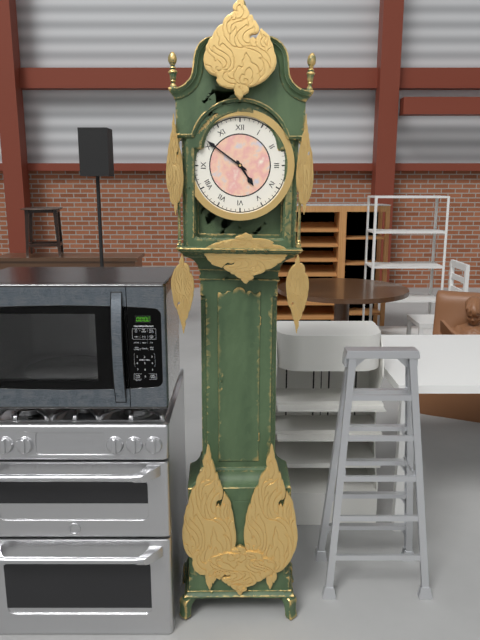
4:51
